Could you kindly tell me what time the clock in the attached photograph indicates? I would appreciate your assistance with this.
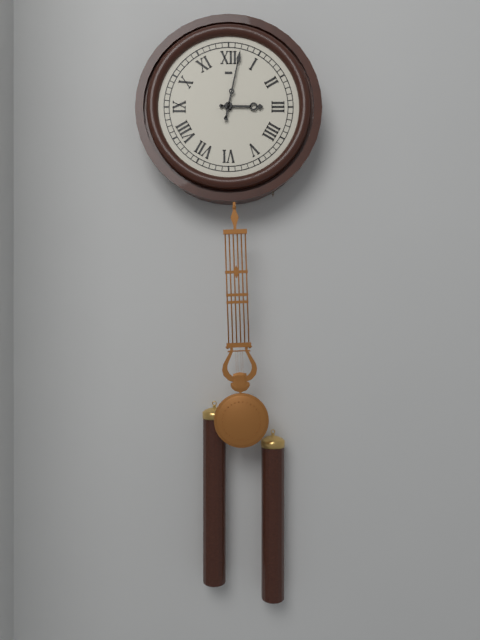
3:02
